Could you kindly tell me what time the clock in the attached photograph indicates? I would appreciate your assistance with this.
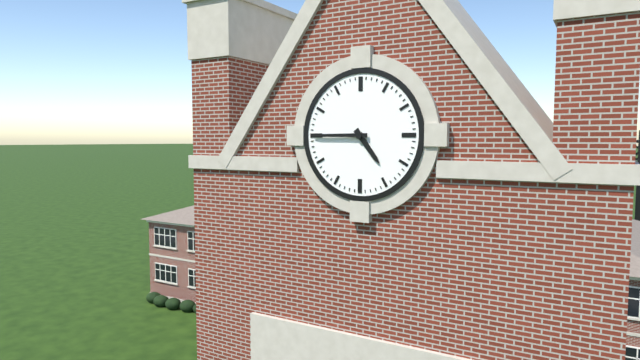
4:45
